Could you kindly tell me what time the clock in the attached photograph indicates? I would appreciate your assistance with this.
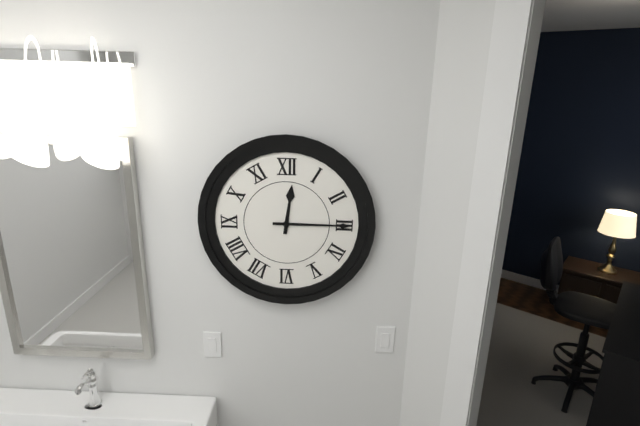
12:15
